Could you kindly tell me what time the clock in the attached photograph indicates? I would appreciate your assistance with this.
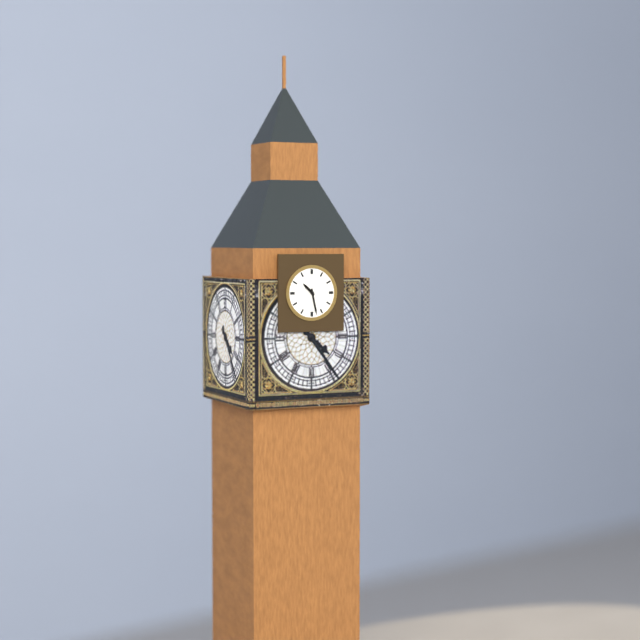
10:28
